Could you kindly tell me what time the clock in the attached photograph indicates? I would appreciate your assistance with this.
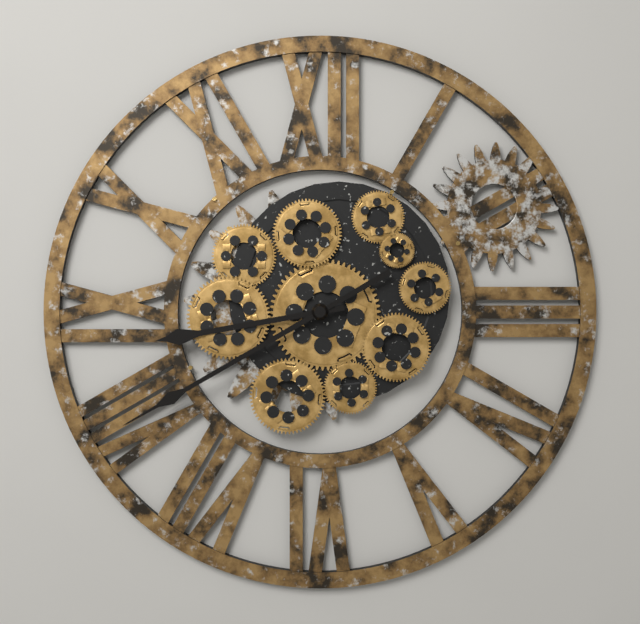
8:40
